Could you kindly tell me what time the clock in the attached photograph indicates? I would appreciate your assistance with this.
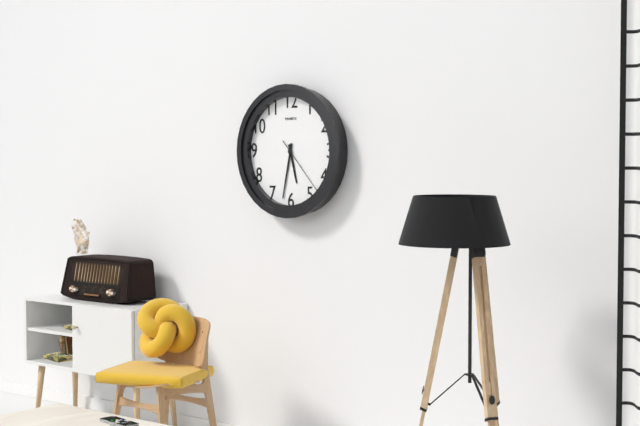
5:32:23
